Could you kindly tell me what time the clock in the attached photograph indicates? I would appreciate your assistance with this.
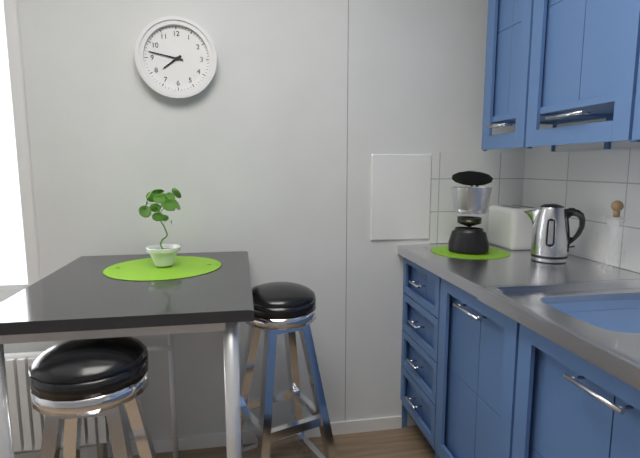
7:47
